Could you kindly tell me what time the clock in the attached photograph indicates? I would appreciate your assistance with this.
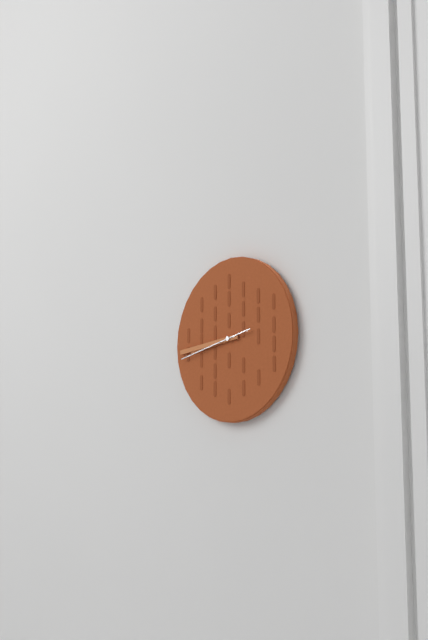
8:44:43
